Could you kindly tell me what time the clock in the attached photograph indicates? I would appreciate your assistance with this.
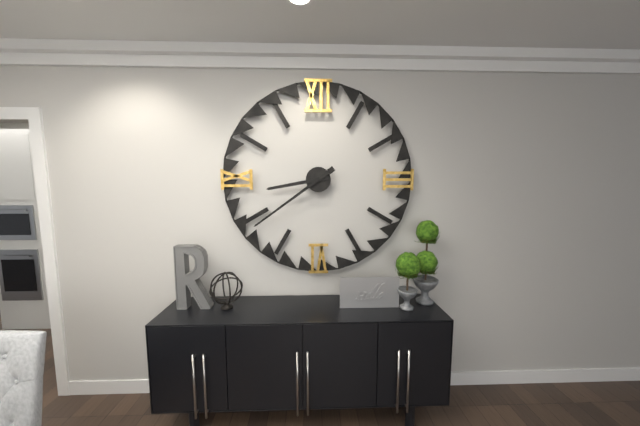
8:39
